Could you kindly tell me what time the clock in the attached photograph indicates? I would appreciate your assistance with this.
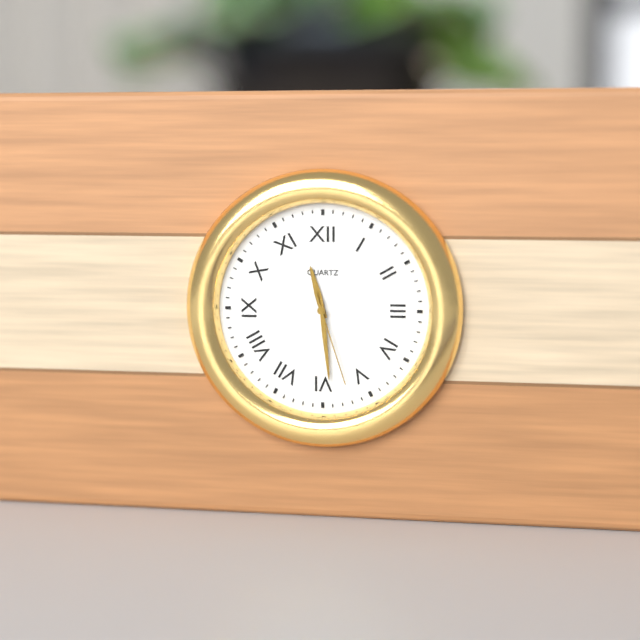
11:29:27
